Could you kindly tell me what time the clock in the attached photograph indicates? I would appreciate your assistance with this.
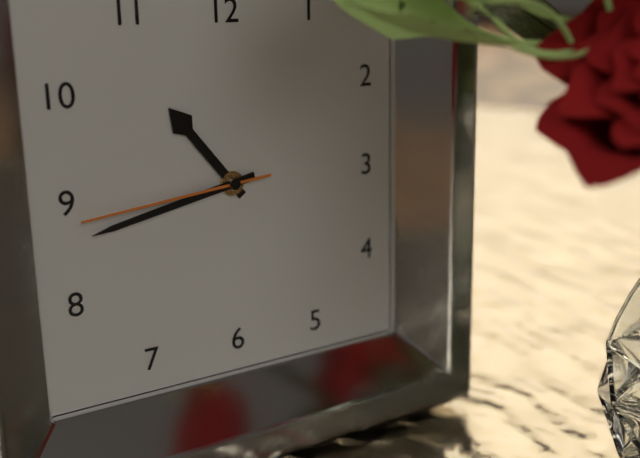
10:43:44
